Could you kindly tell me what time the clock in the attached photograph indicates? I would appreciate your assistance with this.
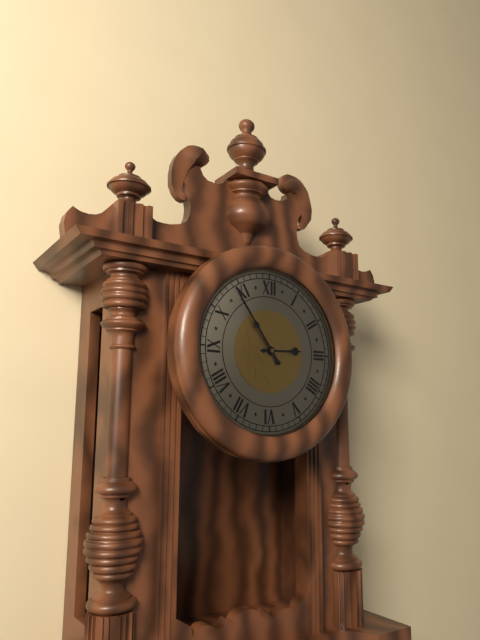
2:54
